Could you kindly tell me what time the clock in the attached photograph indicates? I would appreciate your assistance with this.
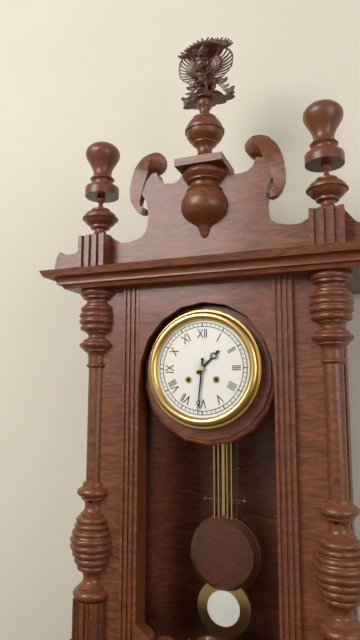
1:31
